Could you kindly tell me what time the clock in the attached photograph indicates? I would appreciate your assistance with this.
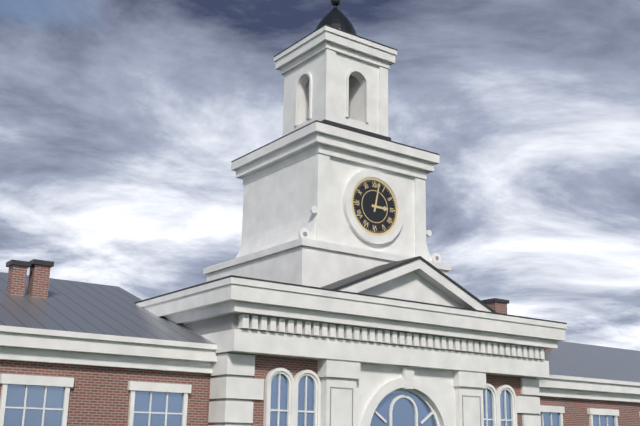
3:02
